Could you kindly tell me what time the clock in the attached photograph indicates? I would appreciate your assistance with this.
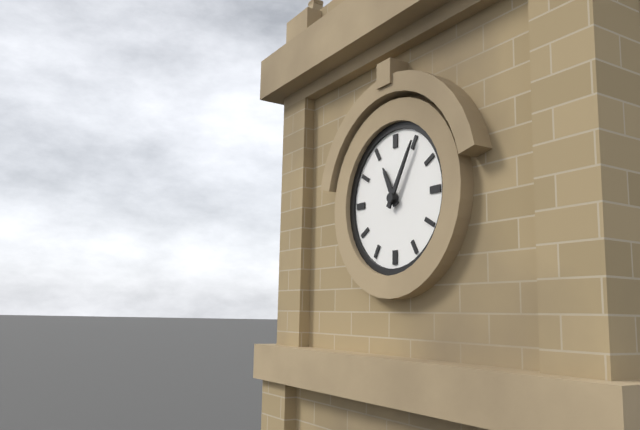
11:05
